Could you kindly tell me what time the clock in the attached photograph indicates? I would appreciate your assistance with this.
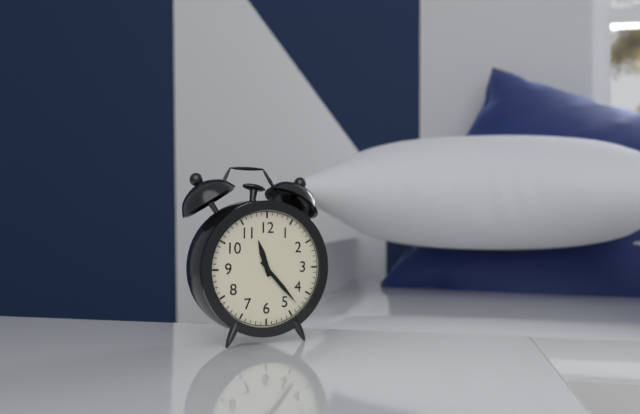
11:23
